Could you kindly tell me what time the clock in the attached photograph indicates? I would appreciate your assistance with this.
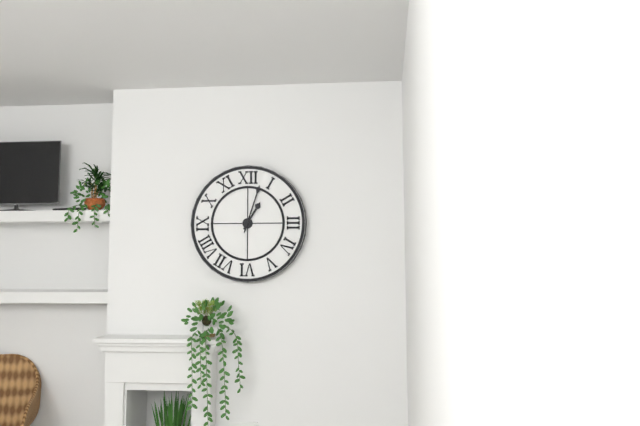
1:03
